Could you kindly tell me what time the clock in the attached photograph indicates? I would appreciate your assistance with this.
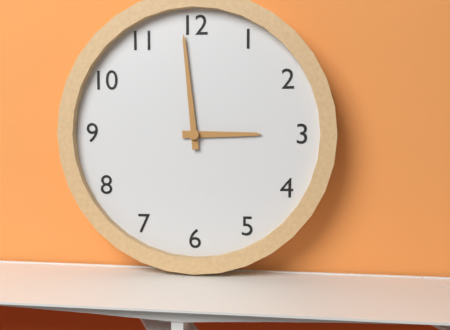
2:59
